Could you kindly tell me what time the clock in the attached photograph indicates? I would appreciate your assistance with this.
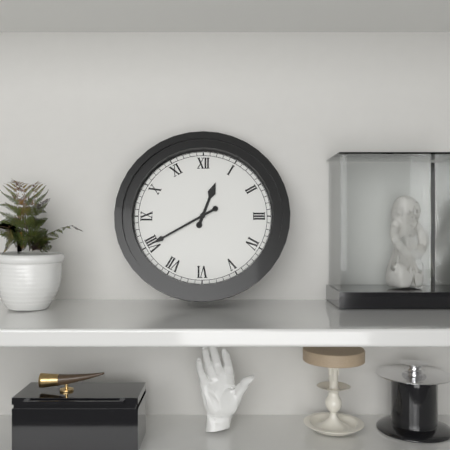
12:40
